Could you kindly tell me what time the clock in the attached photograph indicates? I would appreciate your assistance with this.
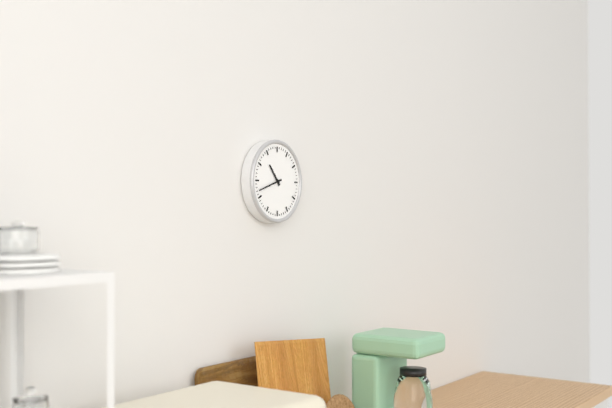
10:42
